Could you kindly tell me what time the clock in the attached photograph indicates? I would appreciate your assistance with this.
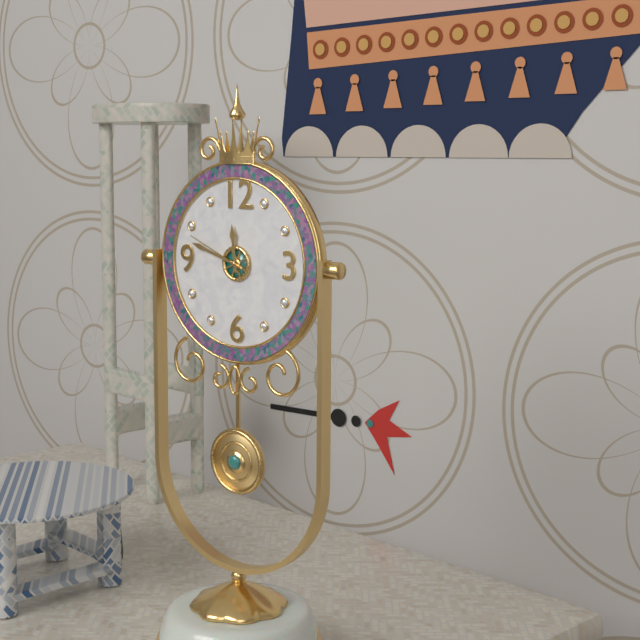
11:48:49
